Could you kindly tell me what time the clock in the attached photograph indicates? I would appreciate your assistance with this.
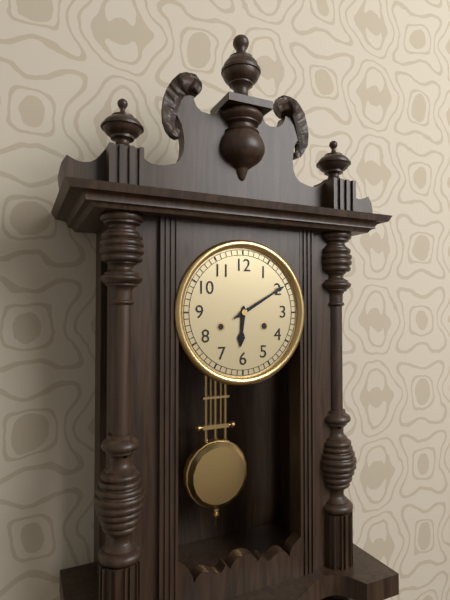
6:10
